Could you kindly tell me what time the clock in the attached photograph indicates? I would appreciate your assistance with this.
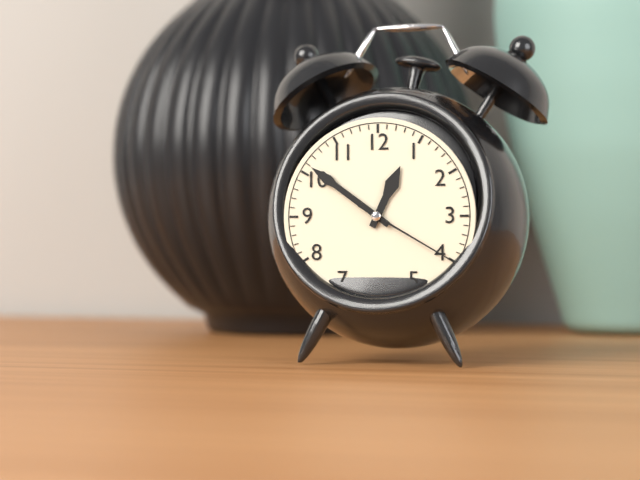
12:51:20
